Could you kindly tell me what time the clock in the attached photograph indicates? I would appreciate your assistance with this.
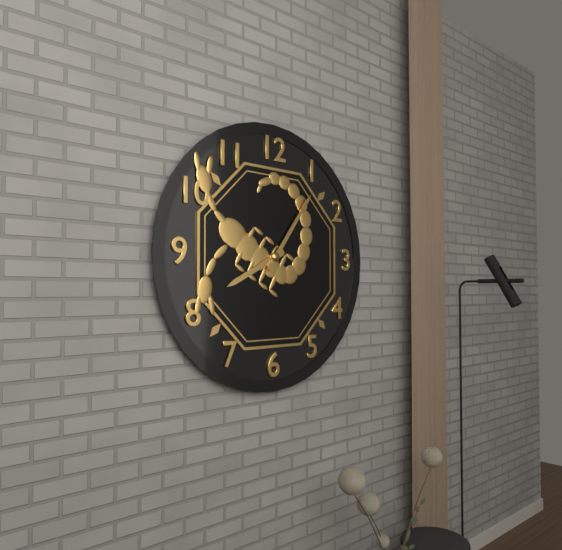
8:06
